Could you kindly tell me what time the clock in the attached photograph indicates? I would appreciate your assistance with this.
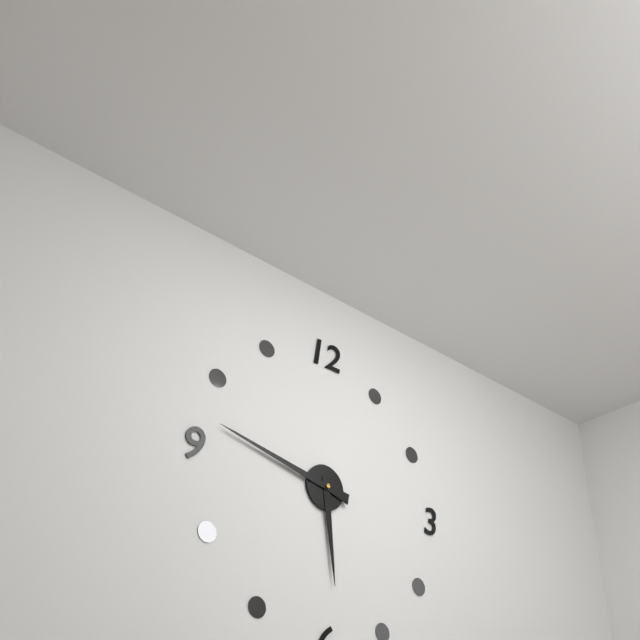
5:47
